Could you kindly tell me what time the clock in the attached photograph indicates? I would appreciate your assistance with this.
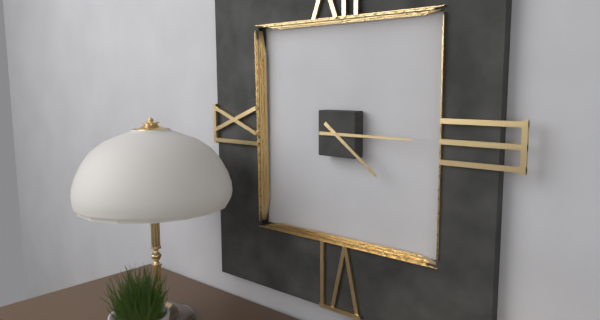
4:15
